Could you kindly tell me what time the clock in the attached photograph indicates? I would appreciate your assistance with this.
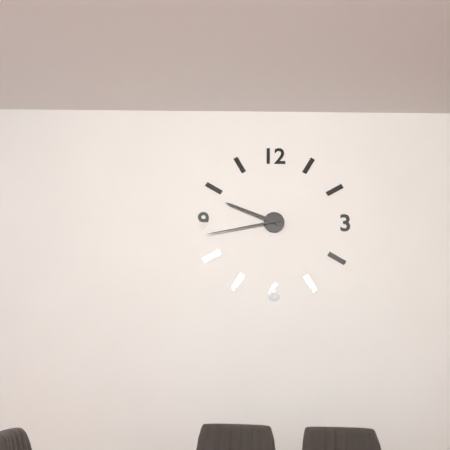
9:43
